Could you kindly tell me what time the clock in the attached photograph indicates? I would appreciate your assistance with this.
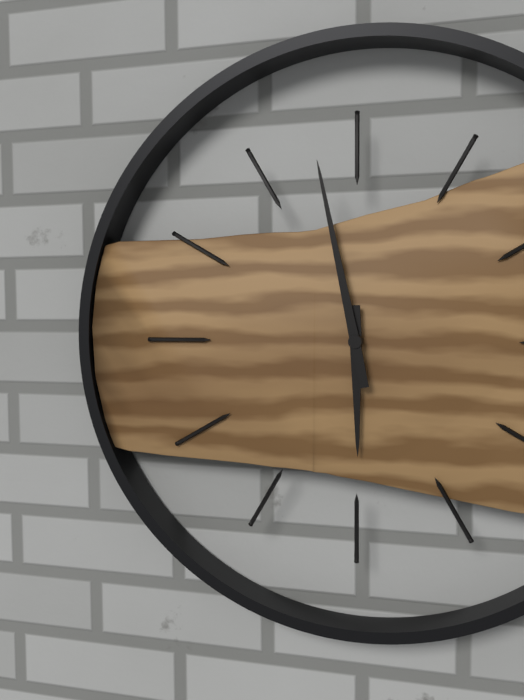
5:58
